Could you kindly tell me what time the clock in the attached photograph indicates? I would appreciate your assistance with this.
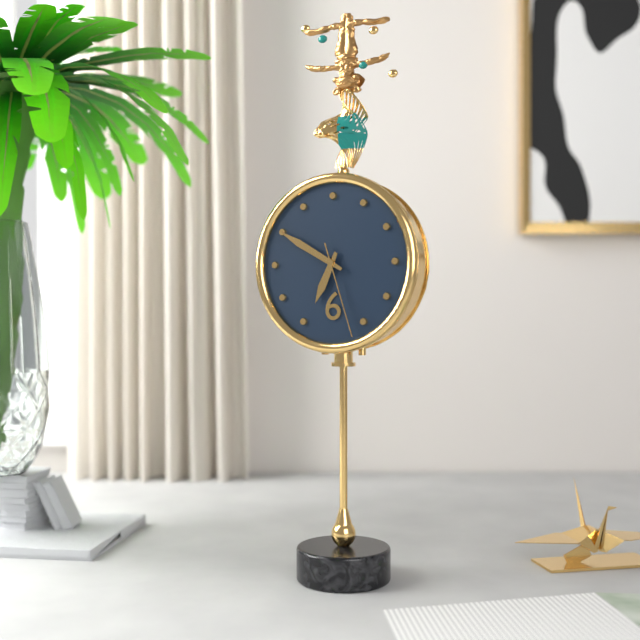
6:50:27
